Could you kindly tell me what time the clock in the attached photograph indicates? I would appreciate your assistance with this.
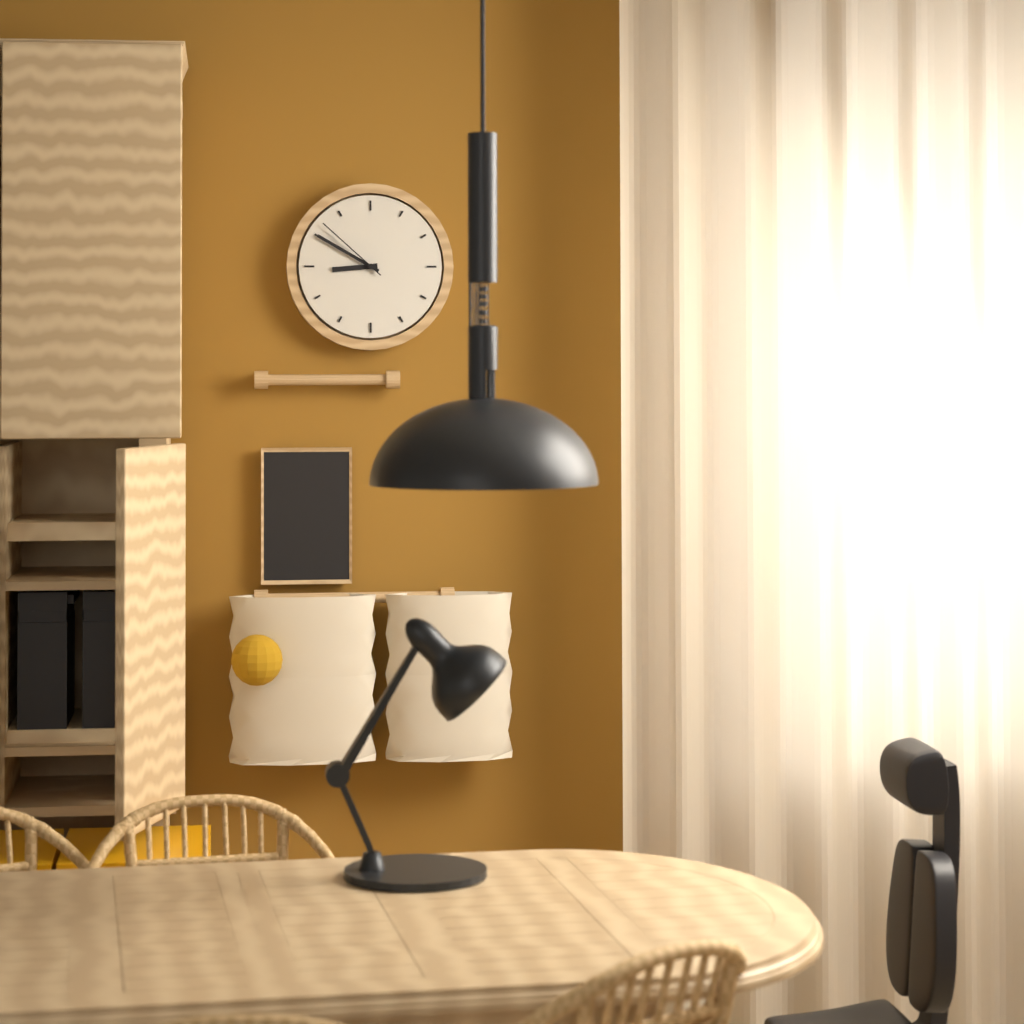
8:50:52
